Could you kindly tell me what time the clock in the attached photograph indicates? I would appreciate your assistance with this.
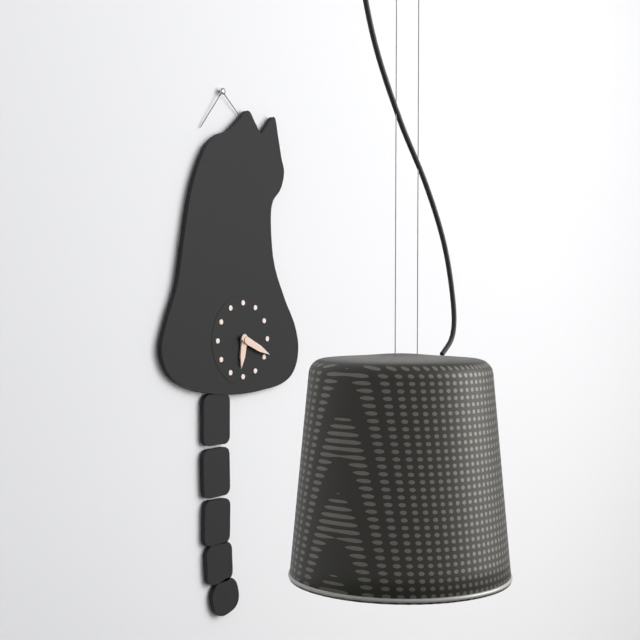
6:19
